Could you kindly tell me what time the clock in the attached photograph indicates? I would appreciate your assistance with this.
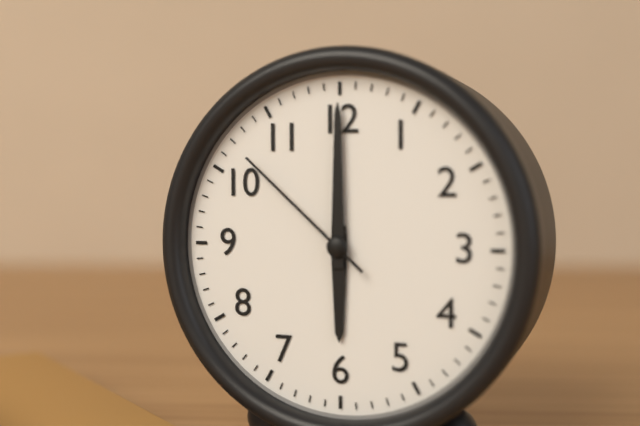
6:00:52
